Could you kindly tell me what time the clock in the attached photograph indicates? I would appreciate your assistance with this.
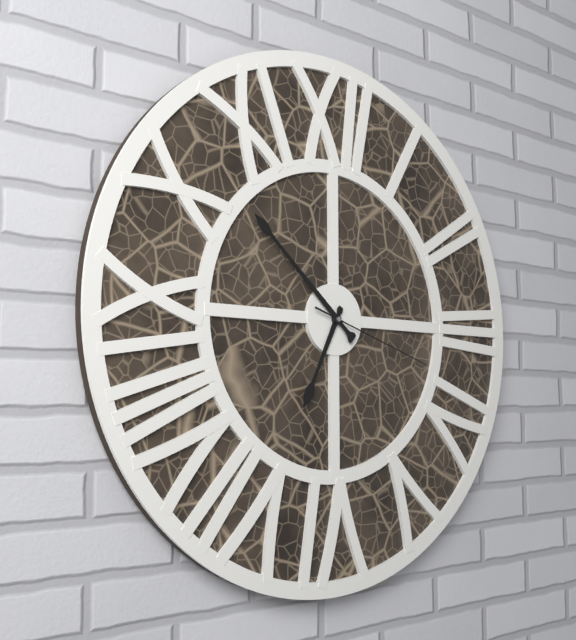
6:52:18
